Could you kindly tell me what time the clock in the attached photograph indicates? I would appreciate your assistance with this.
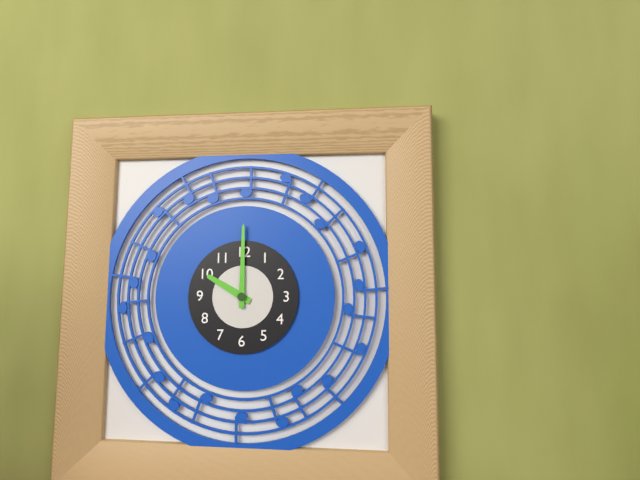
10:00
